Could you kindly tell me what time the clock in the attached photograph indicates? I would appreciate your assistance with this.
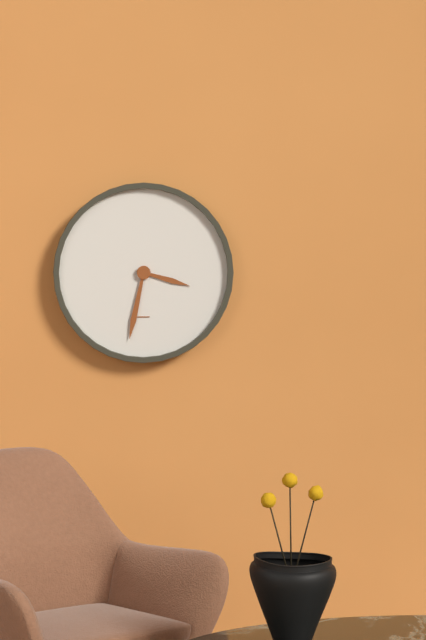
3:32
